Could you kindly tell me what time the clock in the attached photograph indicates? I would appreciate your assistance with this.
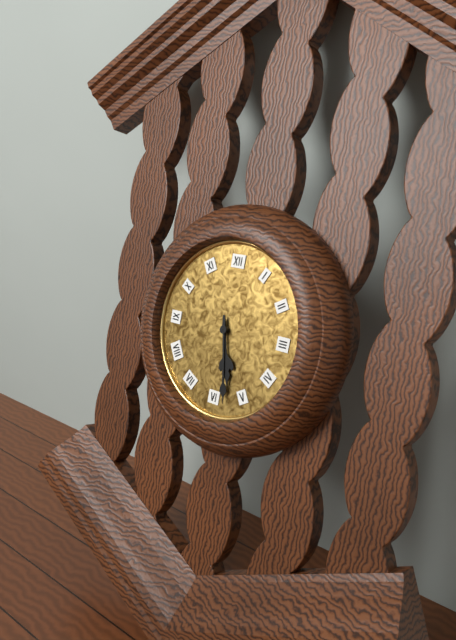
5:28
